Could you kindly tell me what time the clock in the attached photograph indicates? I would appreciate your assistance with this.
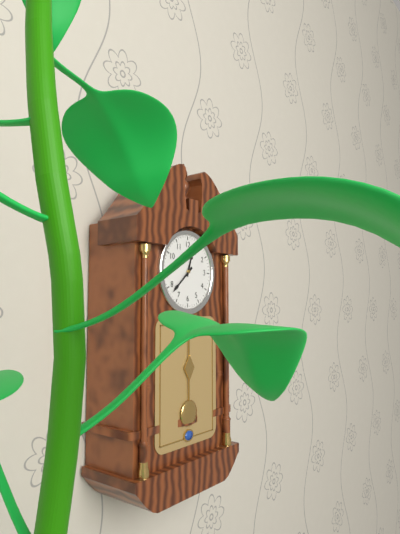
12:38
